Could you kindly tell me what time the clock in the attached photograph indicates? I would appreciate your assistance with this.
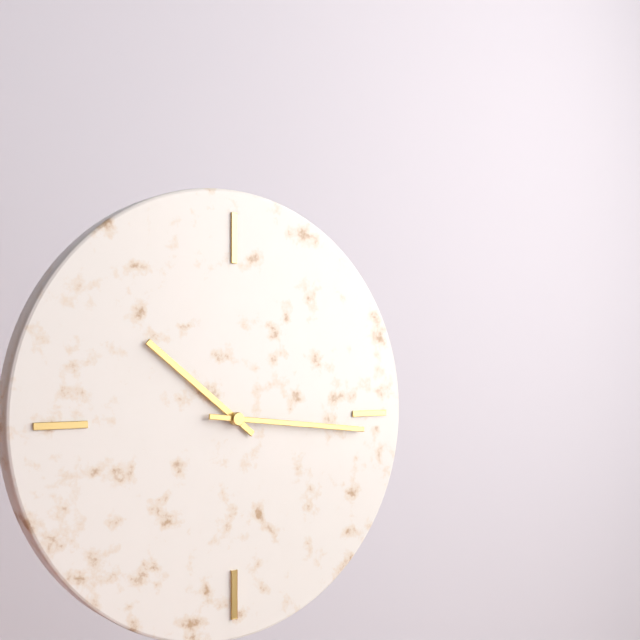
10:16
